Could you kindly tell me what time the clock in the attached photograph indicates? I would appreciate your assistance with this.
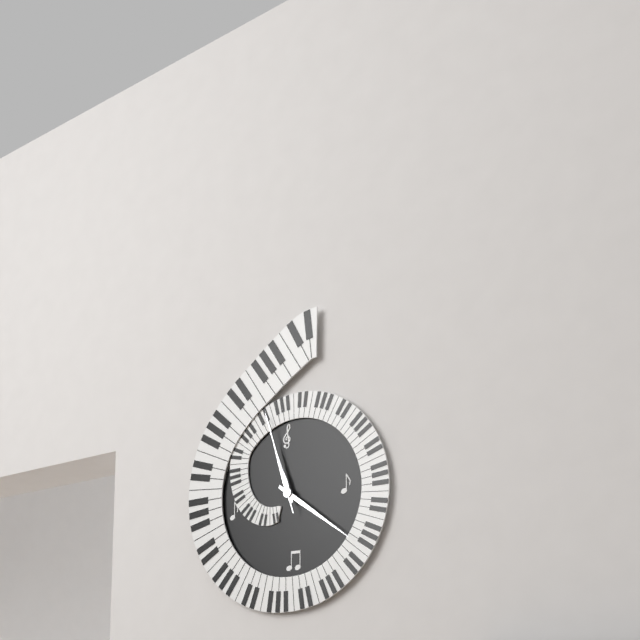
11:21:57
